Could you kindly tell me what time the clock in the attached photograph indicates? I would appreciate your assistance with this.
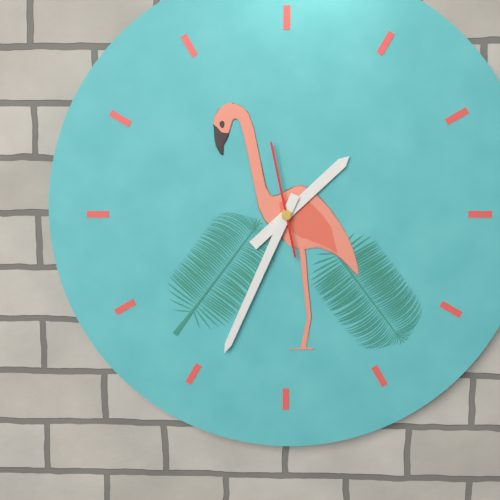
1:34:58
